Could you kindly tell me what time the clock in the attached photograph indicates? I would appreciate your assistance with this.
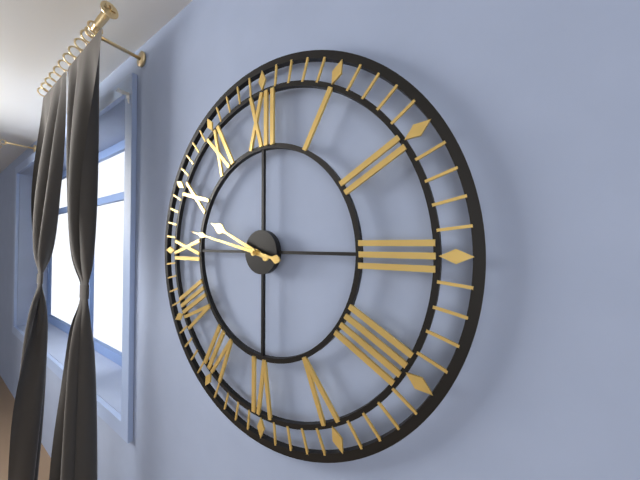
9:47
